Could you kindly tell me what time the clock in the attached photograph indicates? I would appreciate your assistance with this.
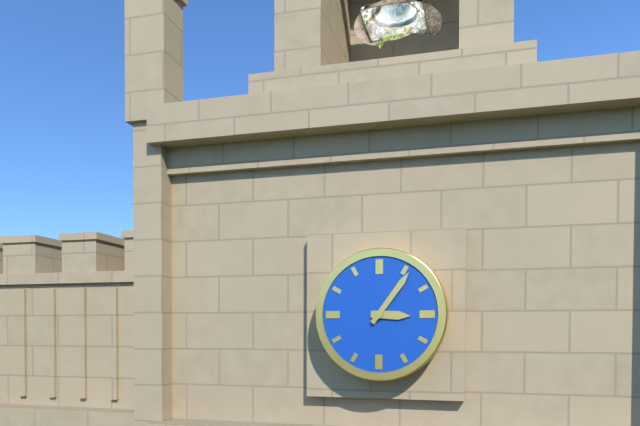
3:06
